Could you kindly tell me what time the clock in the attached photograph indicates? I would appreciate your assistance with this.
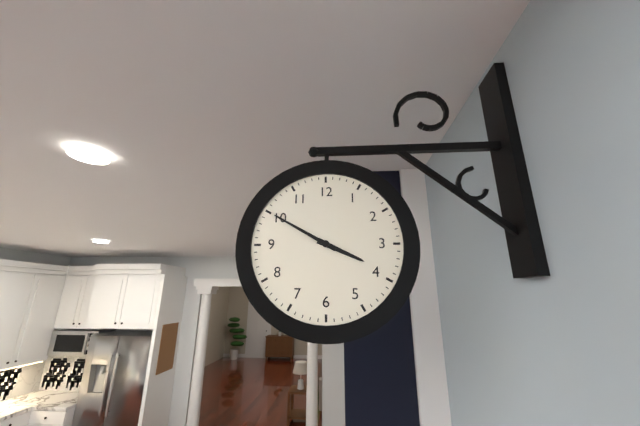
3:50
